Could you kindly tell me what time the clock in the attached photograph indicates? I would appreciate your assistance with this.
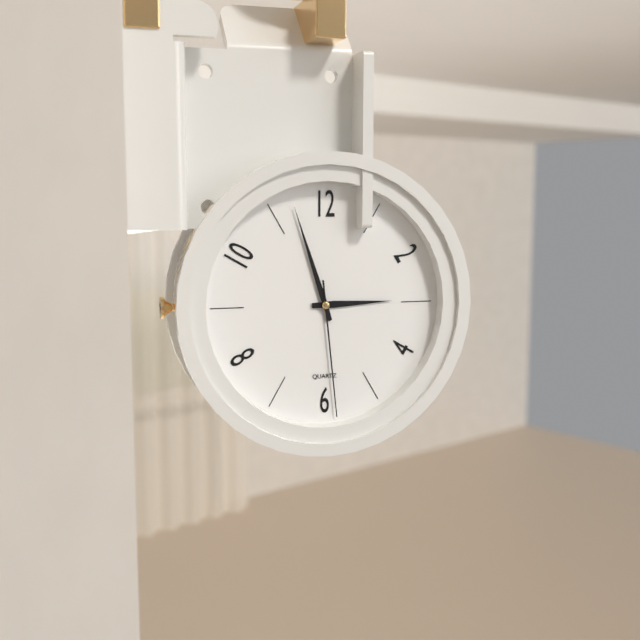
2:57:29
